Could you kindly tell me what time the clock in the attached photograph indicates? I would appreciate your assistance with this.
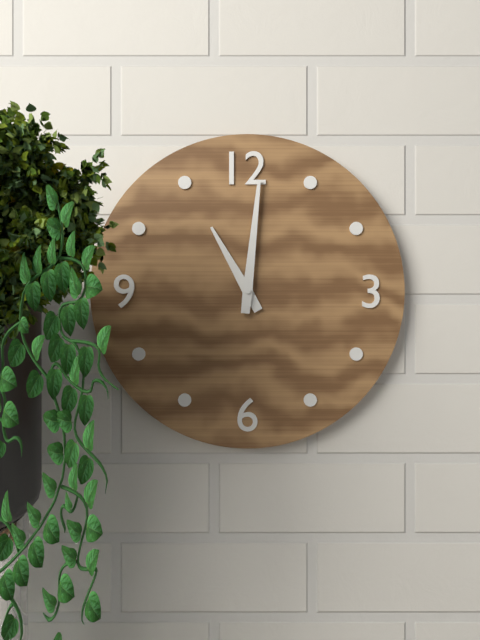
11:01
